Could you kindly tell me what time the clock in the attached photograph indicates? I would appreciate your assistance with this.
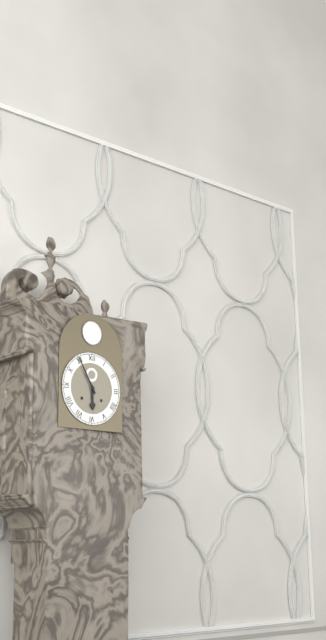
5:55
